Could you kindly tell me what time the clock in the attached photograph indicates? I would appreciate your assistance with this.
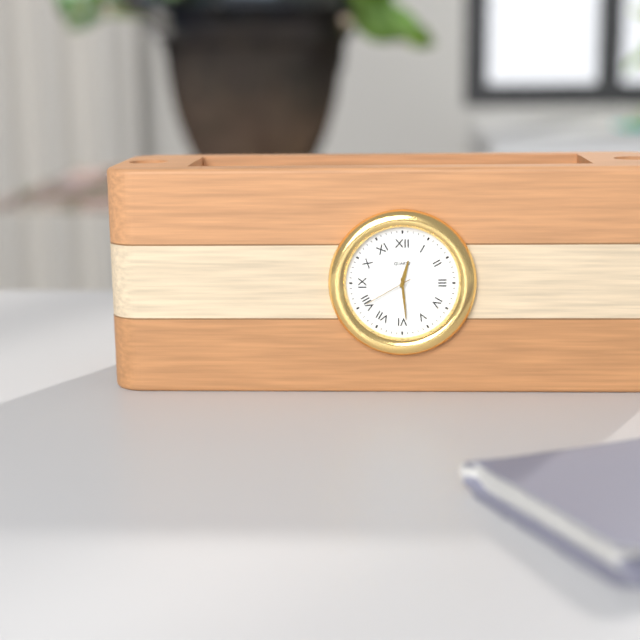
12:29:40
